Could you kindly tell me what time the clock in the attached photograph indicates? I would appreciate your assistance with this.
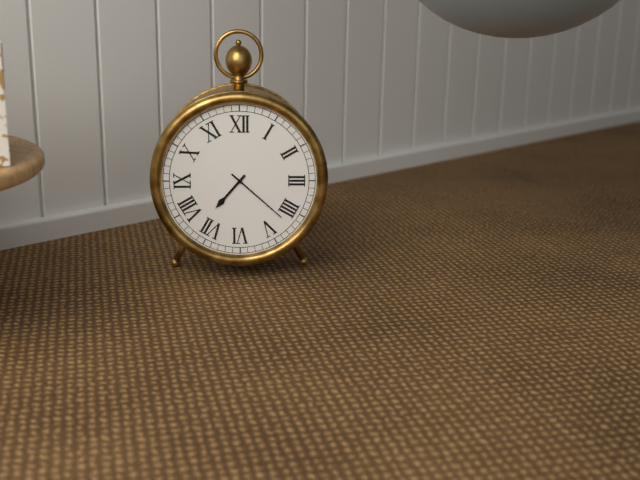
7:22
